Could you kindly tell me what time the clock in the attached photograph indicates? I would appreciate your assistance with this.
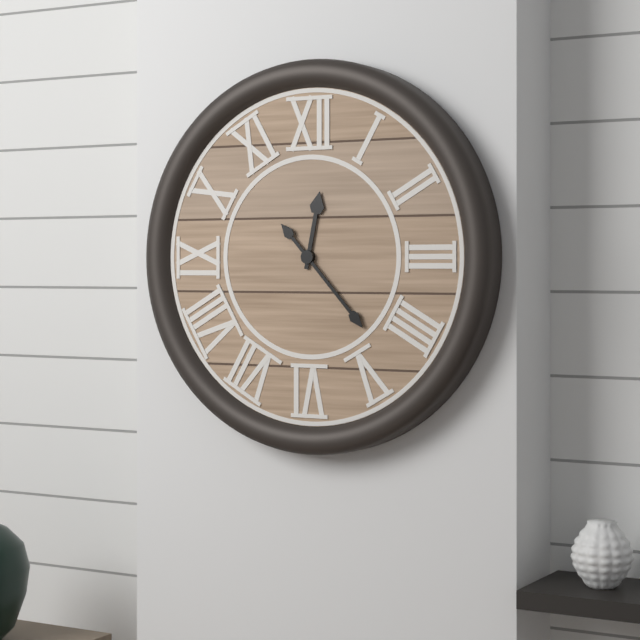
12:23
